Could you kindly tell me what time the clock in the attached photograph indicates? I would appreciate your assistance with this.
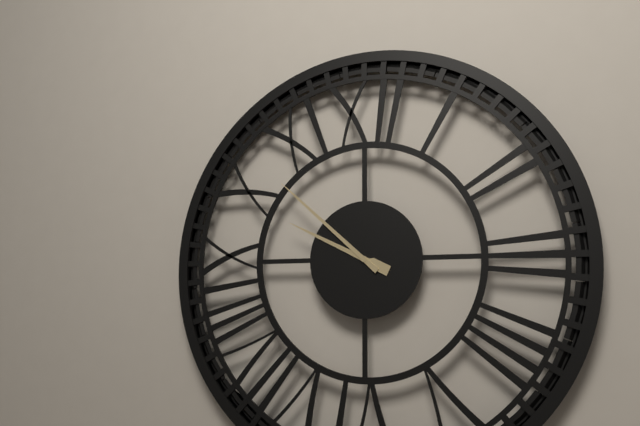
9:52
